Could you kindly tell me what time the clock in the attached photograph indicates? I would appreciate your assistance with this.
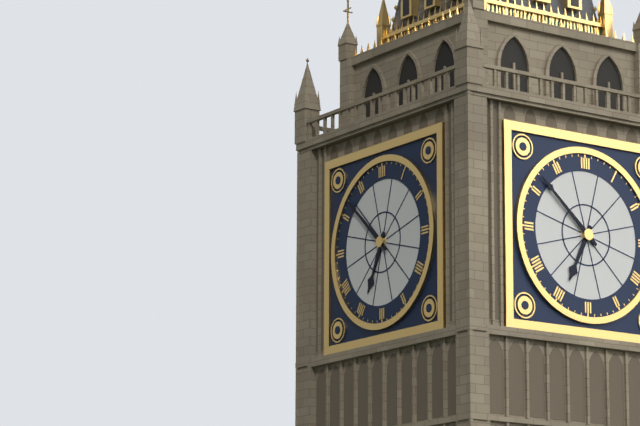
6:52
